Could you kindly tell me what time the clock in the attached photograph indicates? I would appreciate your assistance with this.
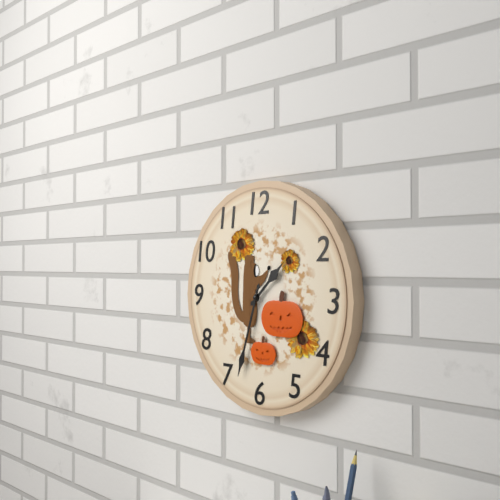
1:33
